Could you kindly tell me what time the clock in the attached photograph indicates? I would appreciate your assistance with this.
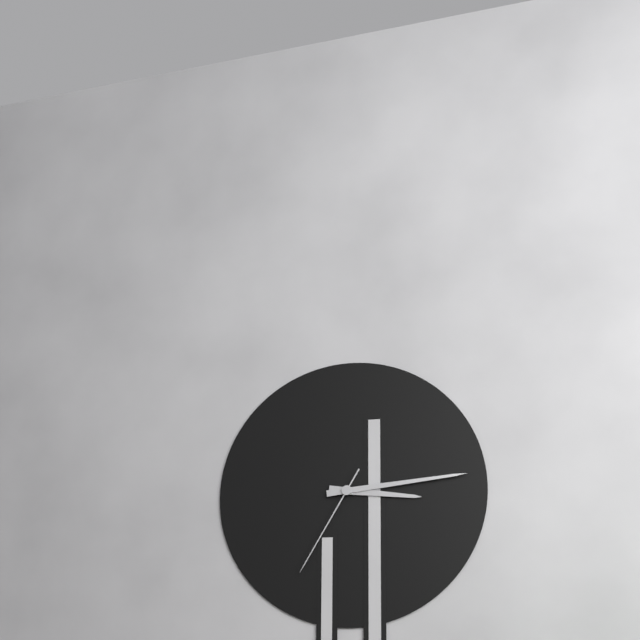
3:14:35
